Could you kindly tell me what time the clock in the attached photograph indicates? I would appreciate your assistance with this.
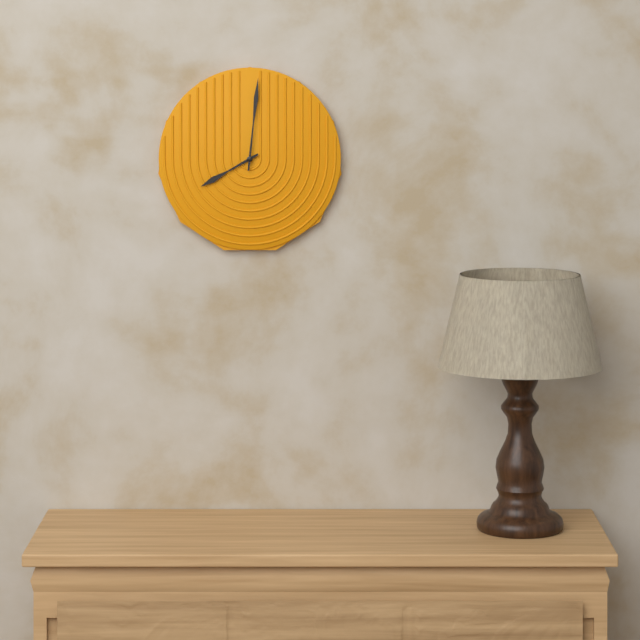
8:01
